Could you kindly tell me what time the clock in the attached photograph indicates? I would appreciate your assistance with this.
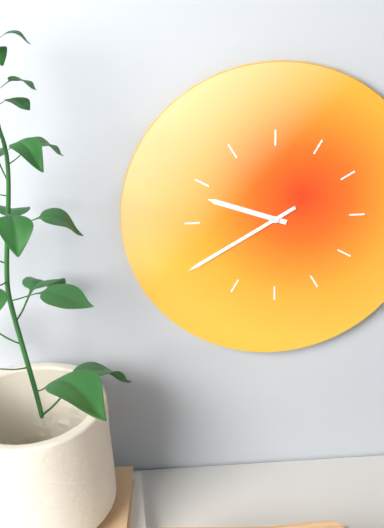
9:40
